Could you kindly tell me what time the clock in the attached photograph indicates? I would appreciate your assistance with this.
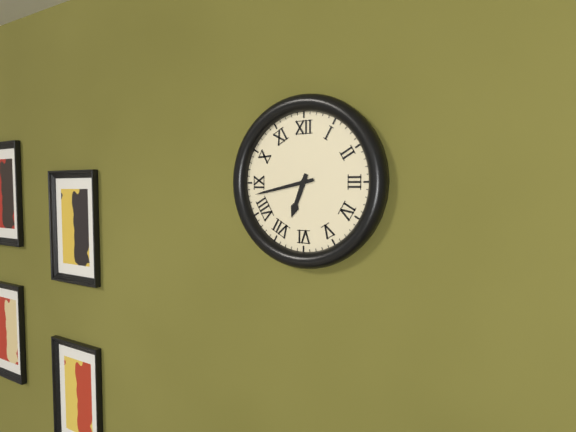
6:43
